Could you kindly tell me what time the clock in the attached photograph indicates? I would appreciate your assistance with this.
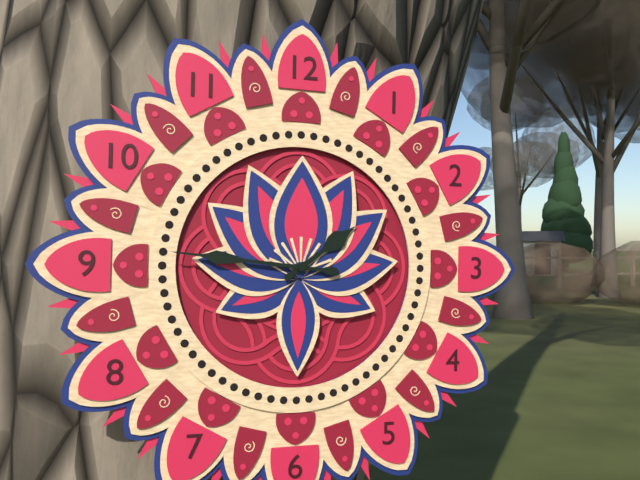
1:46
